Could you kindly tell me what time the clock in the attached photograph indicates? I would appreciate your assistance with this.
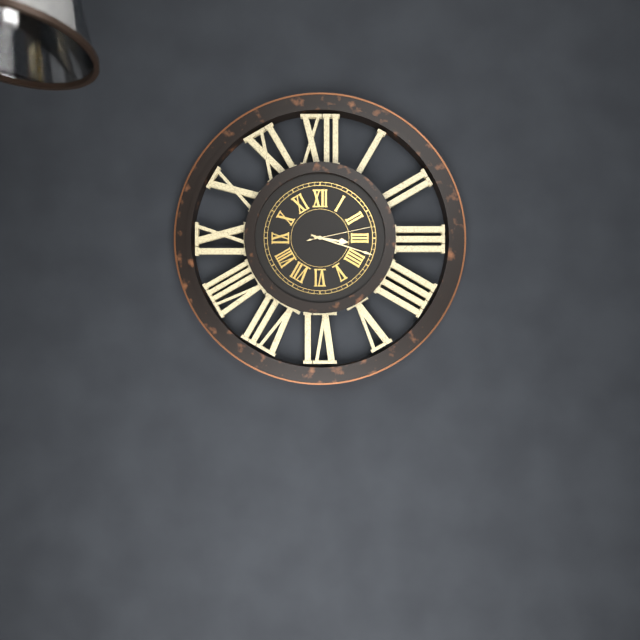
3:18:13
